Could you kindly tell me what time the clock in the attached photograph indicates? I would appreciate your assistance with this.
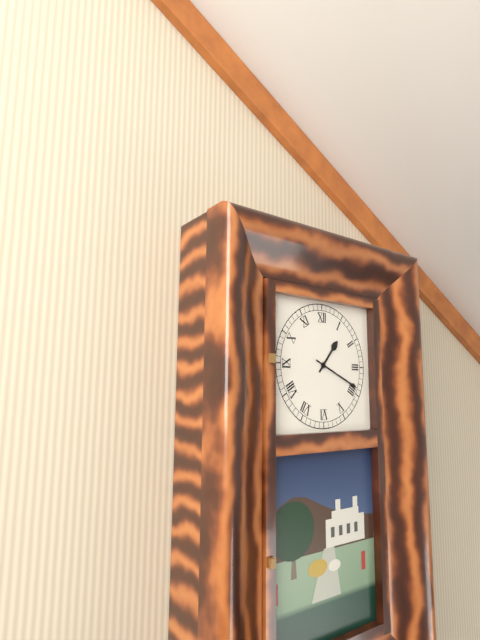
1:19
